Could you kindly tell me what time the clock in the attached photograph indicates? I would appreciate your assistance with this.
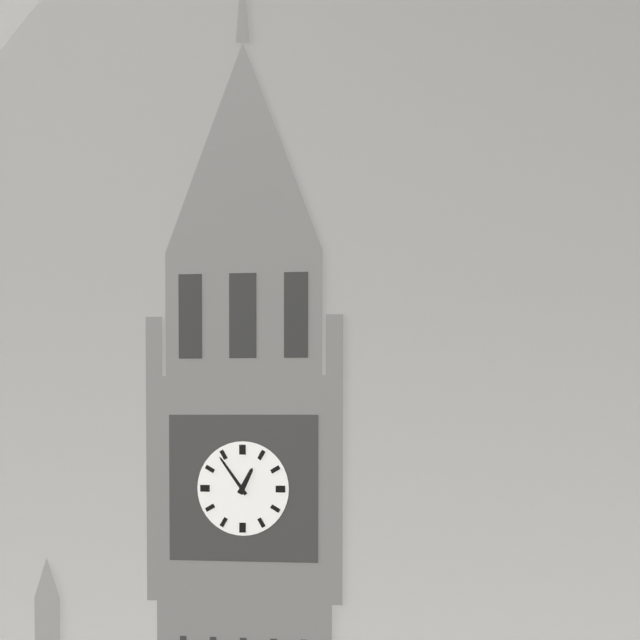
12:54
